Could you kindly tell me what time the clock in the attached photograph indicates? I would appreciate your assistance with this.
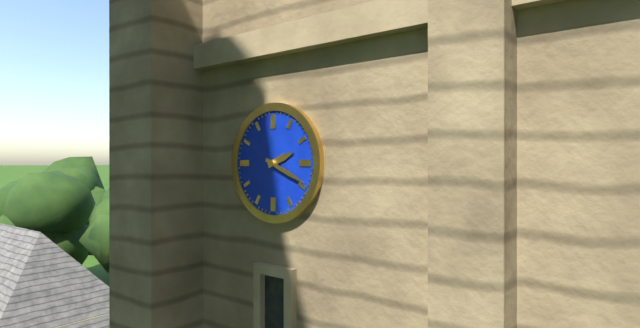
2:19
